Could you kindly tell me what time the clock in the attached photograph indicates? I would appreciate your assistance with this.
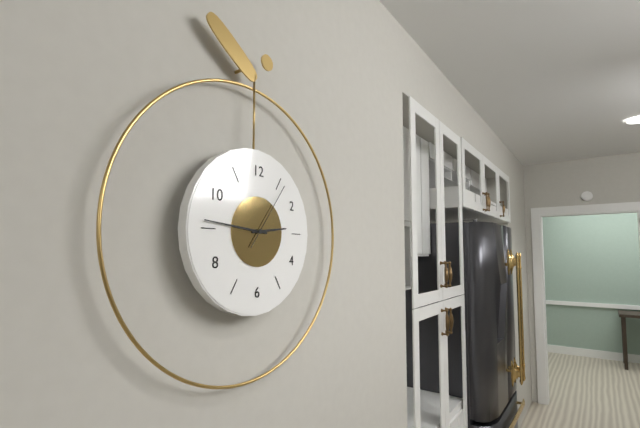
2:46:06
